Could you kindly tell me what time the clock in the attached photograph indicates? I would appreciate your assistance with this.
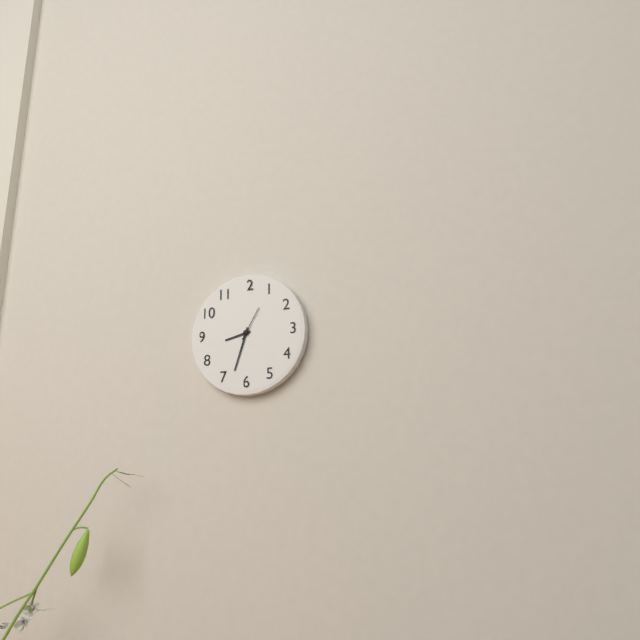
8:33
